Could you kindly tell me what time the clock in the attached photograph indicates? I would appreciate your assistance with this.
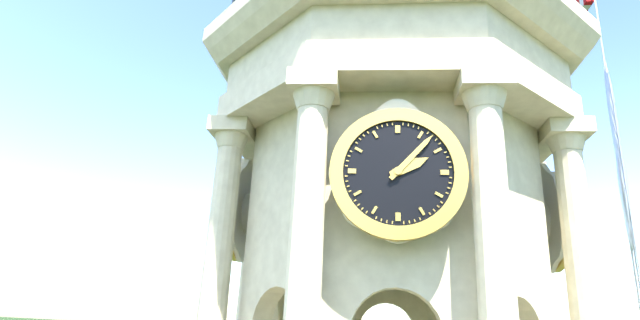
2:07
